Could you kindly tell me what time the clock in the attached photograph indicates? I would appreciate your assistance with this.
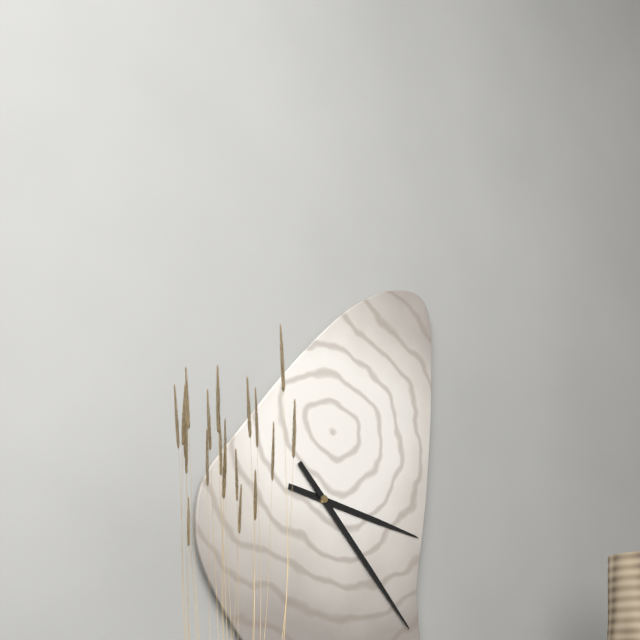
3:23
